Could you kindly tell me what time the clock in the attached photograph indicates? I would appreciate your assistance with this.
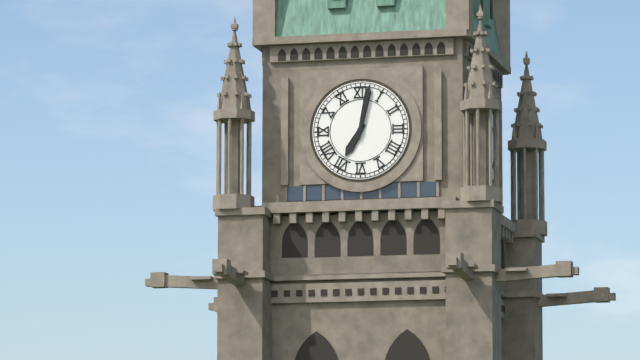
7:02
